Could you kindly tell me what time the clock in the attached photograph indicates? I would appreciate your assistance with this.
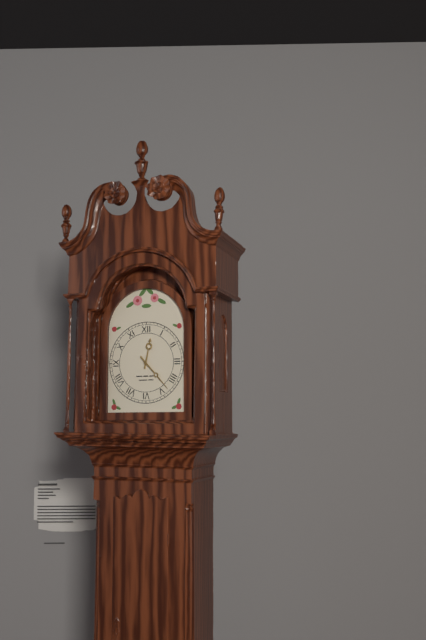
12:23
